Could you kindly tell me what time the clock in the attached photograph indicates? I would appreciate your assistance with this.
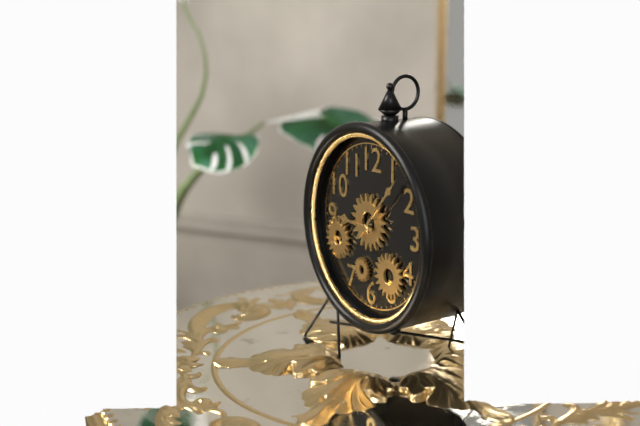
9:07
